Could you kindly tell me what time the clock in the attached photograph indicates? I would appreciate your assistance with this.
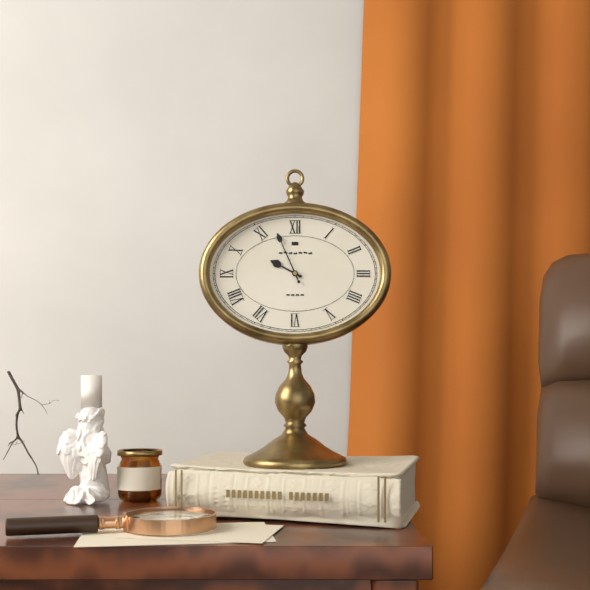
9:56
